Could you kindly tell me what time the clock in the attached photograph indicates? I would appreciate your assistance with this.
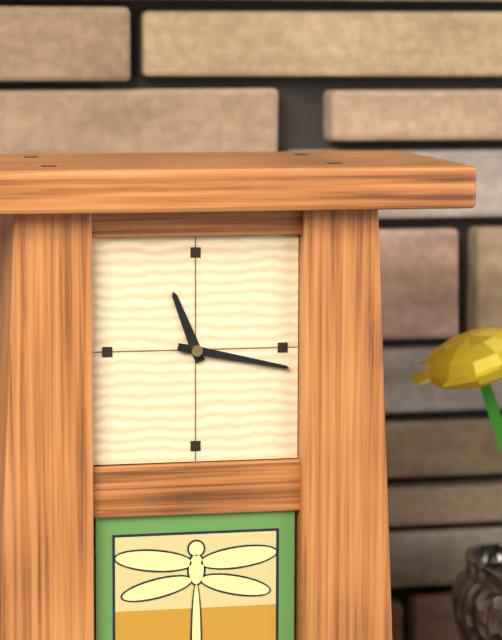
11:17
